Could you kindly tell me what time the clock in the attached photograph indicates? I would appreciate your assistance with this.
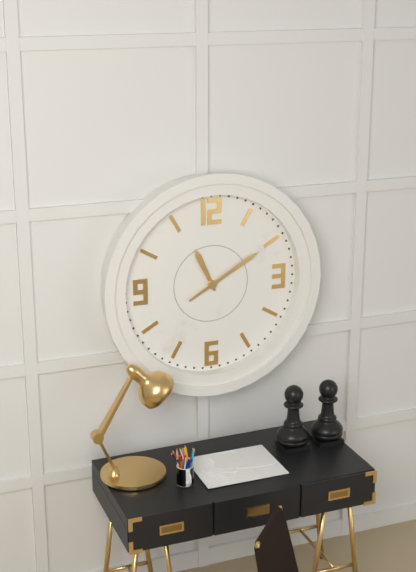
11:10
